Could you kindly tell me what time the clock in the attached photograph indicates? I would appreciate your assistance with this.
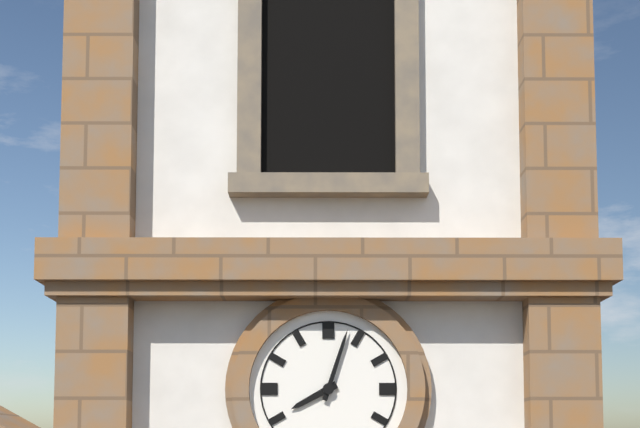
8:03
